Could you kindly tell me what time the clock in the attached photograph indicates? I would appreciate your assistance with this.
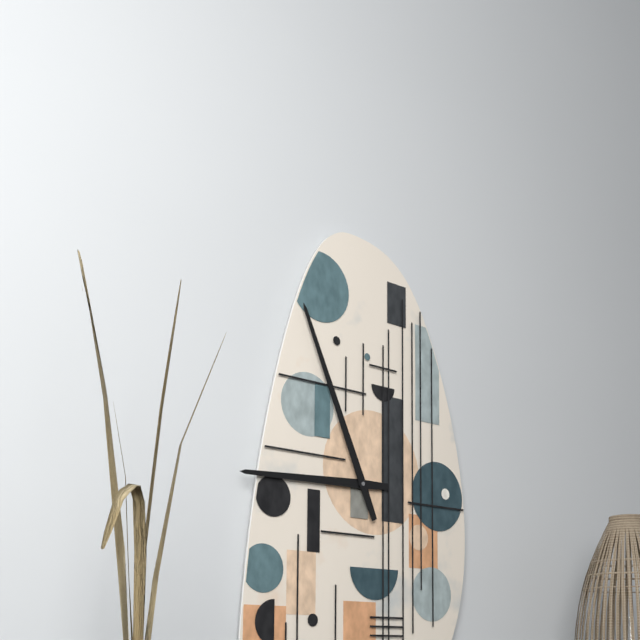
8:56
